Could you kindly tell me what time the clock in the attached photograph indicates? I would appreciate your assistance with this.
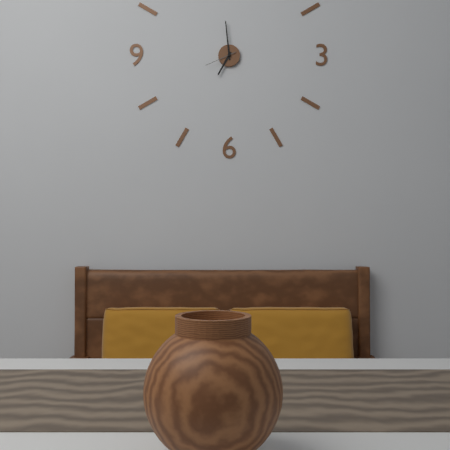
6:59
